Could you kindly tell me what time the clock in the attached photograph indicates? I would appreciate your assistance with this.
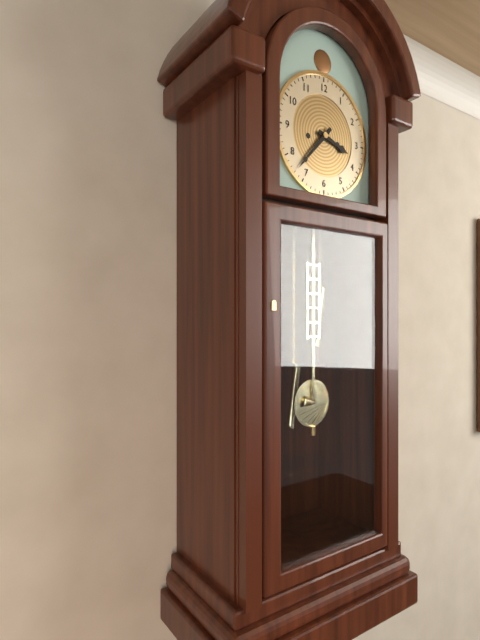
3:37
